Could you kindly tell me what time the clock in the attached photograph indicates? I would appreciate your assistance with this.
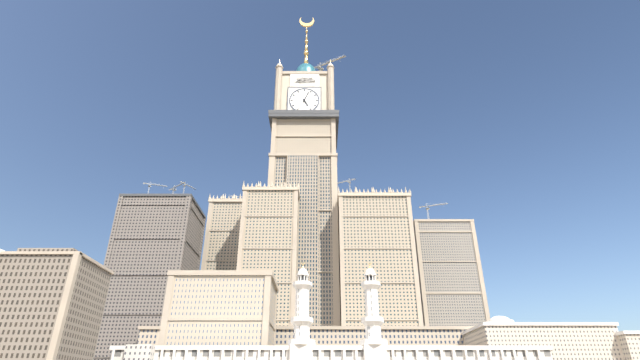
5:04
